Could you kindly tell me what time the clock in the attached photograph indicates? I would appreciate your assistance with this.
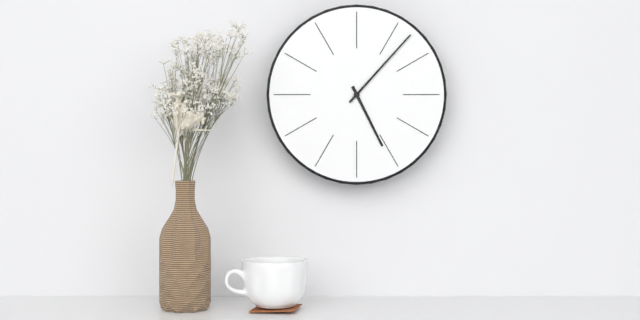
5:07
